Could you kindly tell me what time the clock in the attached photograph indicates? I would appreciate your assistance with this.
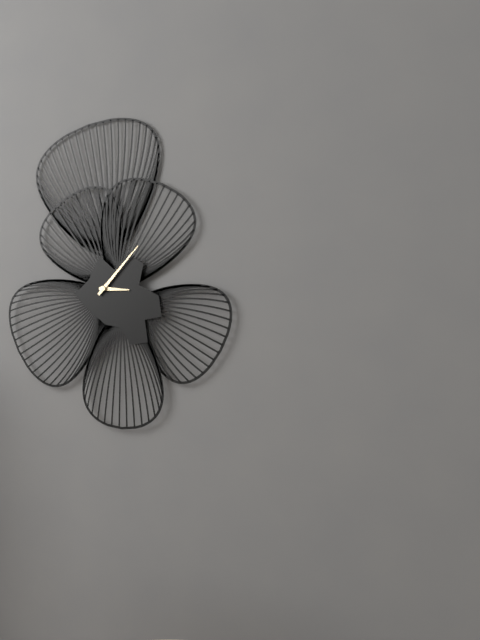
3:07
